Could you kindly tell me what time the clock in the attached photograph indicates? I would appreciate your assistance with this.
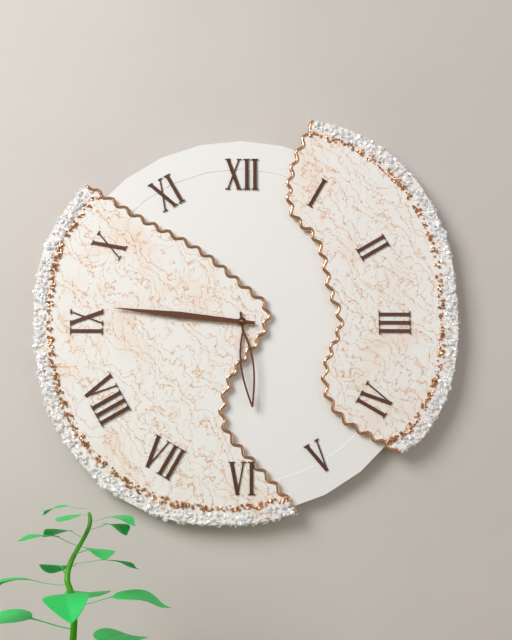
5:46
